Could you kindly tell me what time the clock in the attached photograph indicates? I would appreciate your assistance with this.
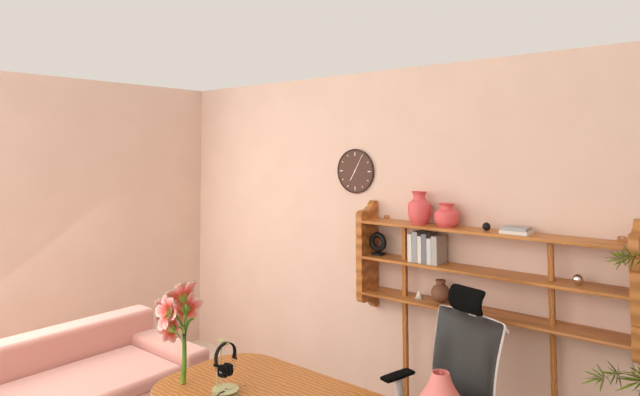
7:05
